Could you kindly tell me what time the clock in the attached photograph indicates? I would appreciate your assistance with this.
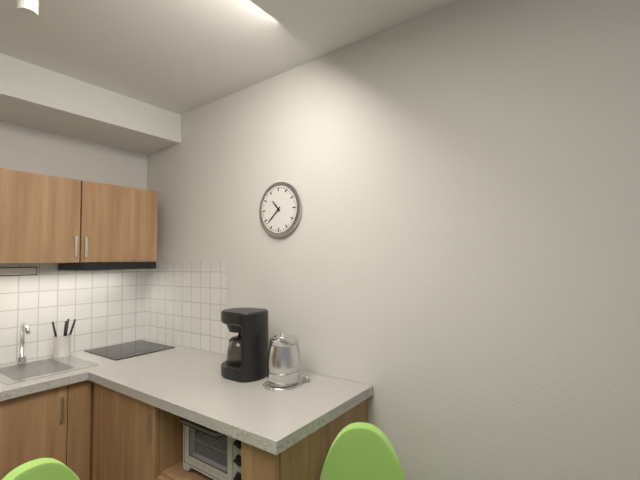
10:38
